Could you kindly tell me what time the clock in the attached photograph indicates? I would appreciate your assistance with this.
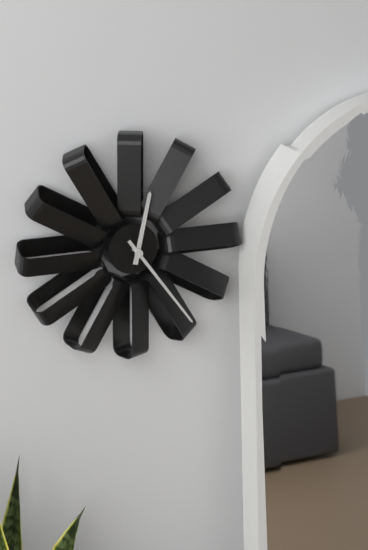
12:24
